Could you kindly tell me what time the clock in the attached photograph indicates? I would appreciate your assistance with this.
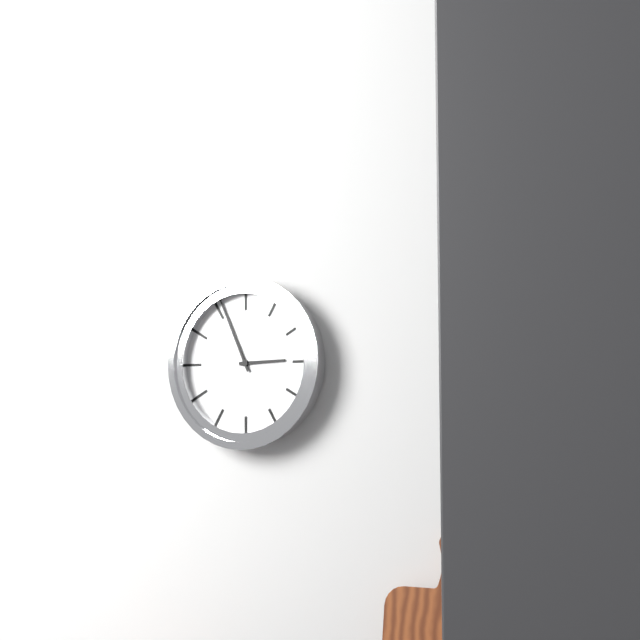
2:56
